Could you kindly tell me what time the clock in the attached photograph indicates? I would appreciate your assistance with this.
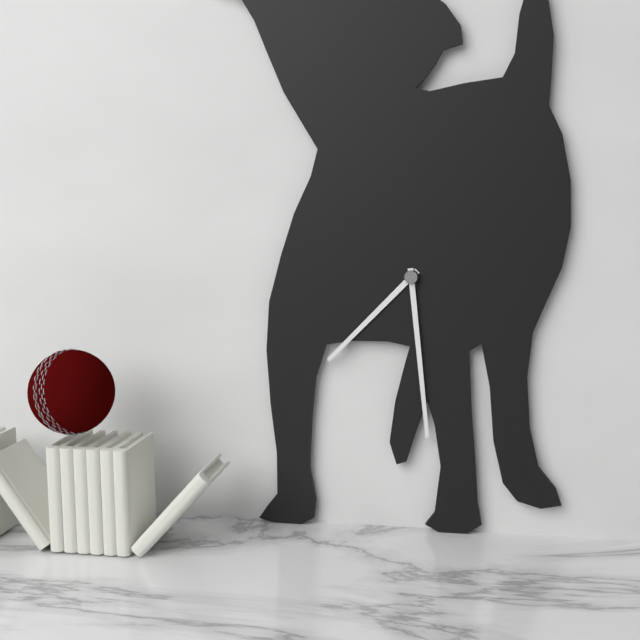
7:29
